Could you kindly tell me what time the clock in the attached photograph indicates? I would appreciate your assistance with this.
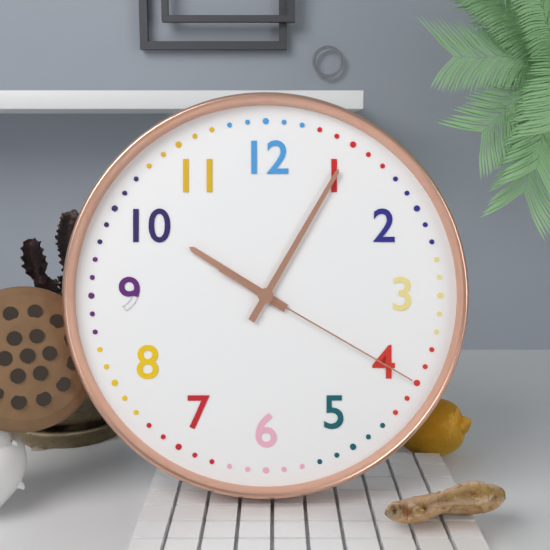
10:05:20
